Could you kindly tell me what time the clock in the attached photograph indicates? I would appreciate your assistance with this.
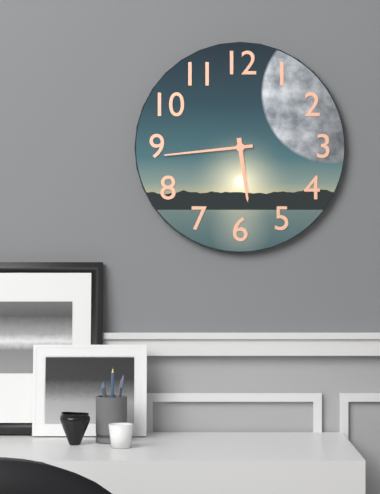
5:44
